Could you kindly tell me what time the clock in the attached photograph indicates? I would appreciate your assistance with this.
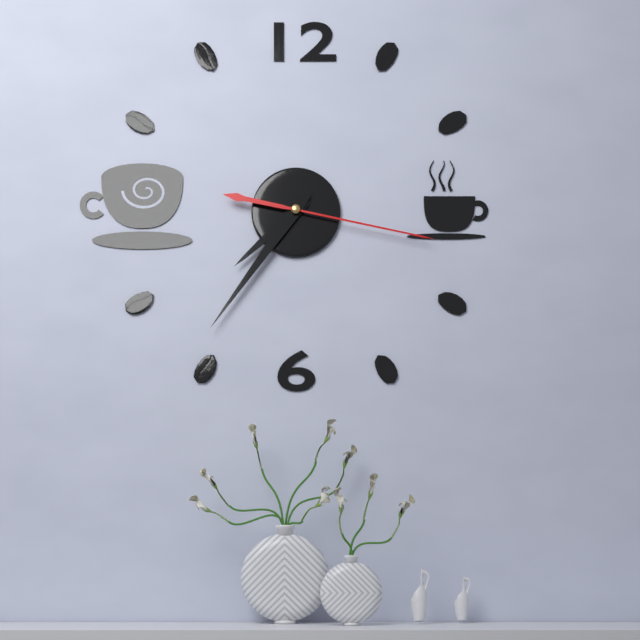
7:36:17
